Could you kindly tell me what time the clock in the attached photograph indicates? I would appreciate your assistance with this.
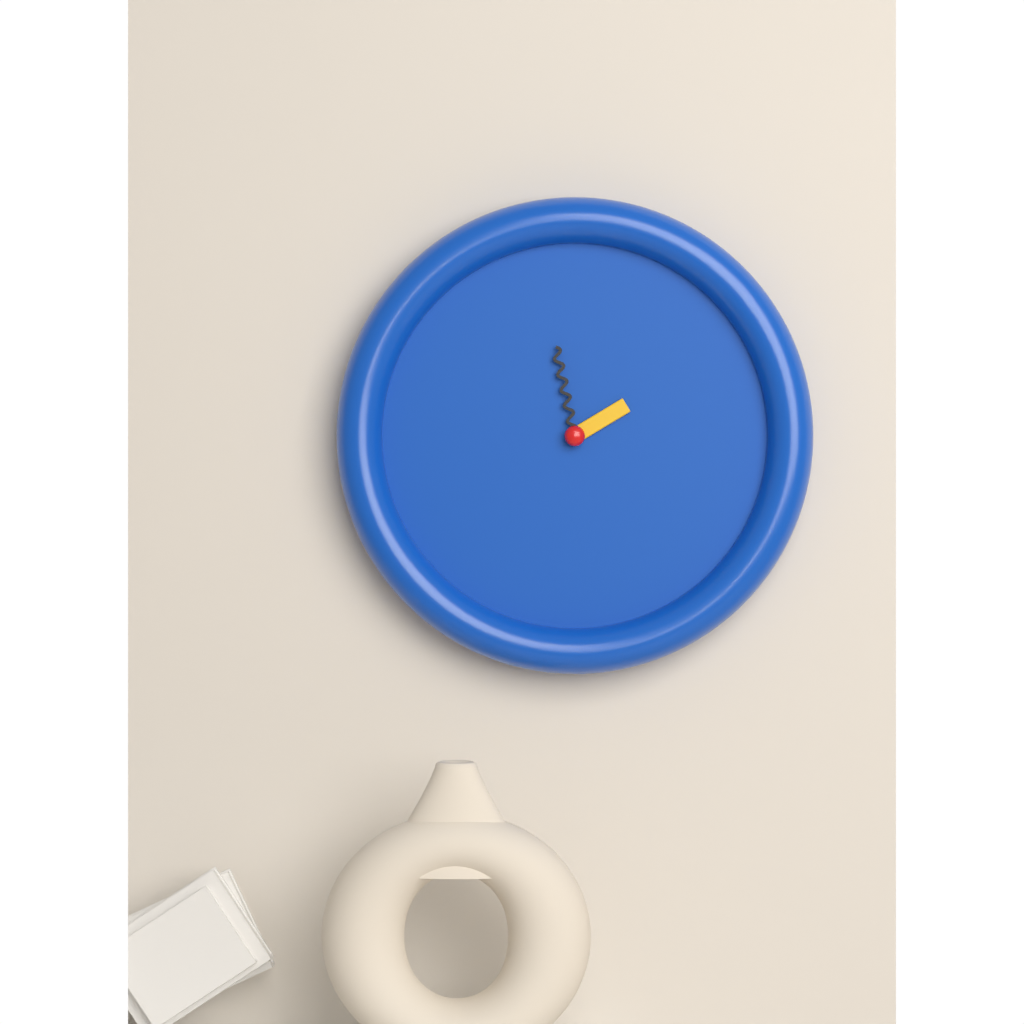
1:58
